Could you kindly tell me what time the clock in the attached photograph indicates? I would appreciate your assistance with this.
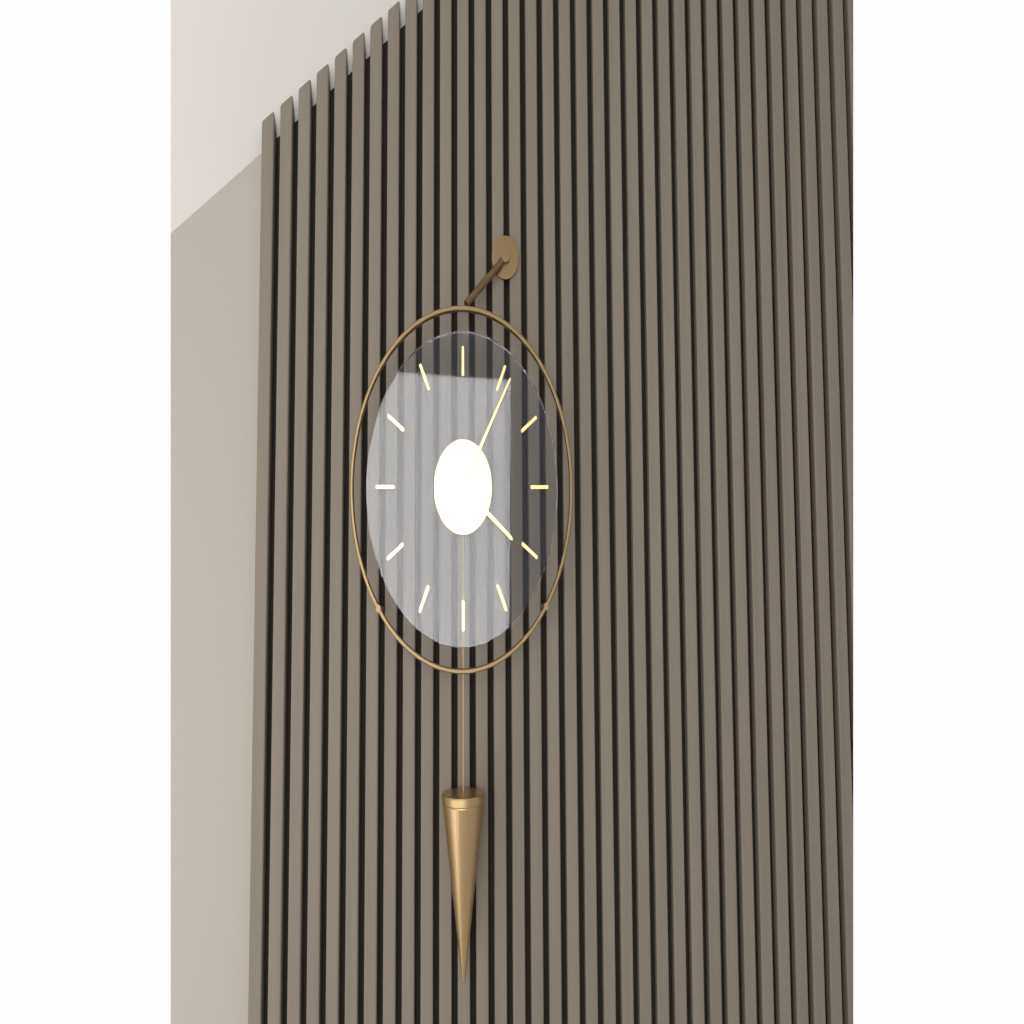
4:06
